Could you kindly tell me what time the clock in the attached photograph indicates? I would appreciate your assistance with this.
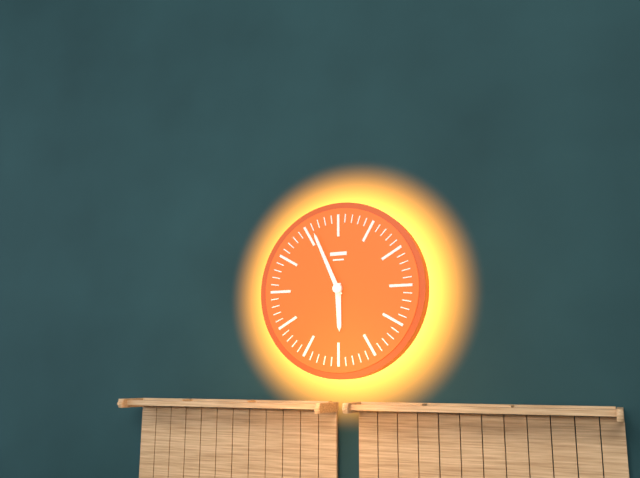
5:56
